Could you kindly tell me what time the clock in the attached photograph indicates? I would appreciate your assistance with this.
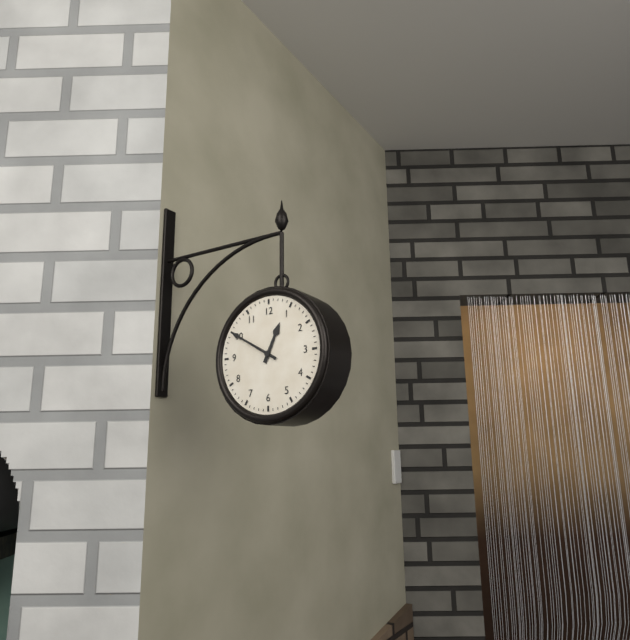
12:50
